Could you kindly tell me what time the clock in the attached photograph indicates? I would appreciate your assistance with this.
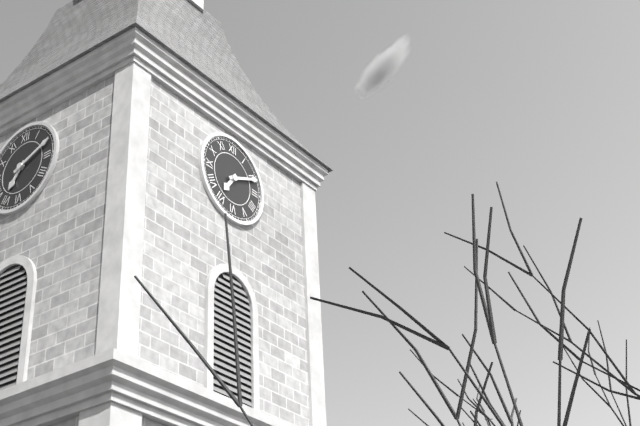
7:11
